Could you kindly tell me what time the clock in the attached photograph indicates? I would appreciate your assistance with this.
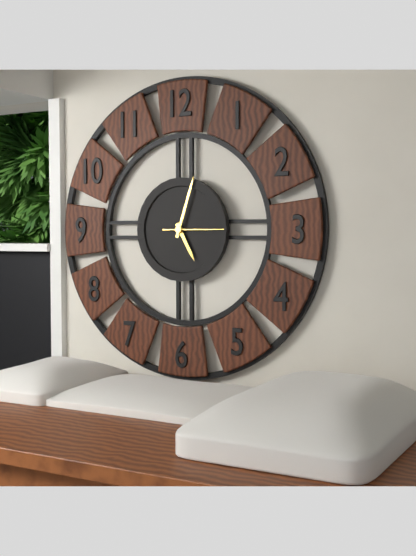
5:03:15
